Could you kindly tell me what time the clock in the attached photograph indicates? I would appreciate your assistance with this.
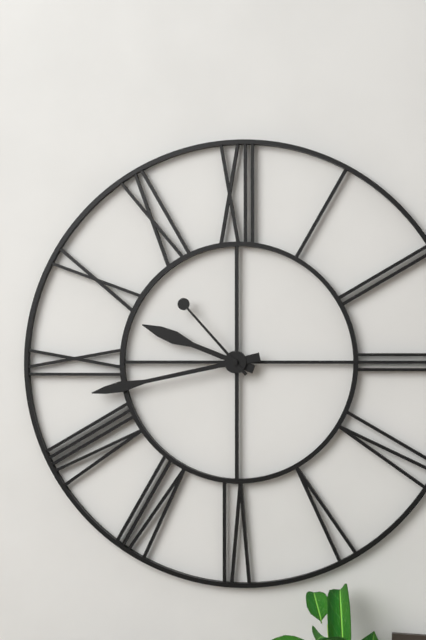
9:43:53
